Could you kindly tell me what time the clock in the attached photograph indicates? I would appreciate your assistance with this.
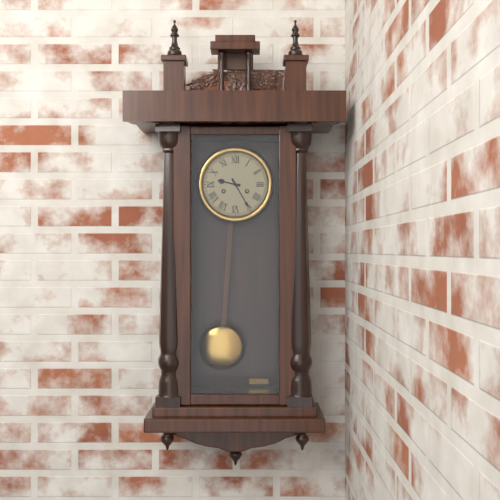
9:25
